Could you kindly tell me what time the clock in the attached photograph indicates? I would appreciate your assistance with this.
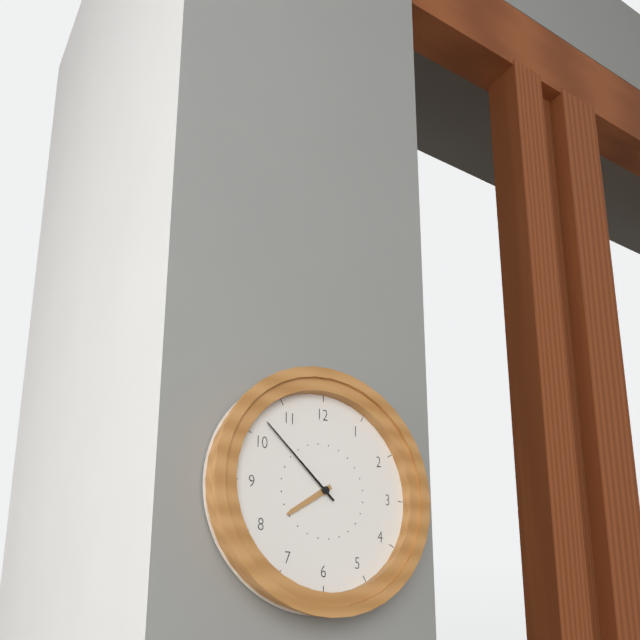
7:52
